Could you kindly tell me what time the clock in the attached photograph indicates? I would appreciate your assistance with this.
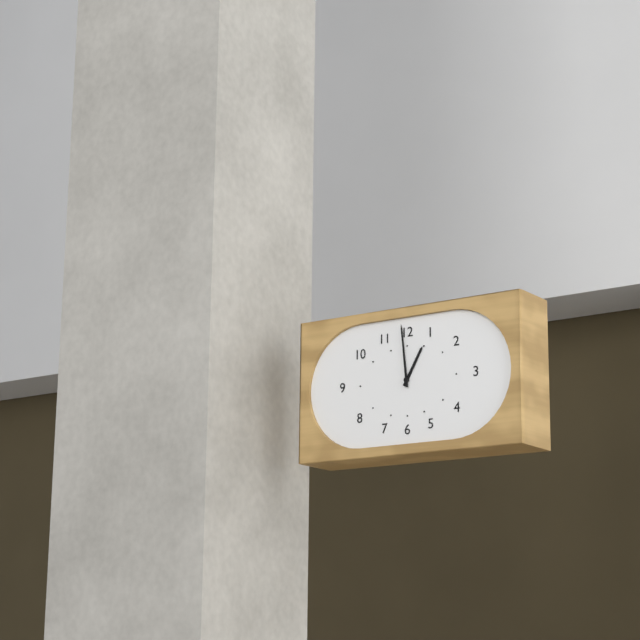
12:59
